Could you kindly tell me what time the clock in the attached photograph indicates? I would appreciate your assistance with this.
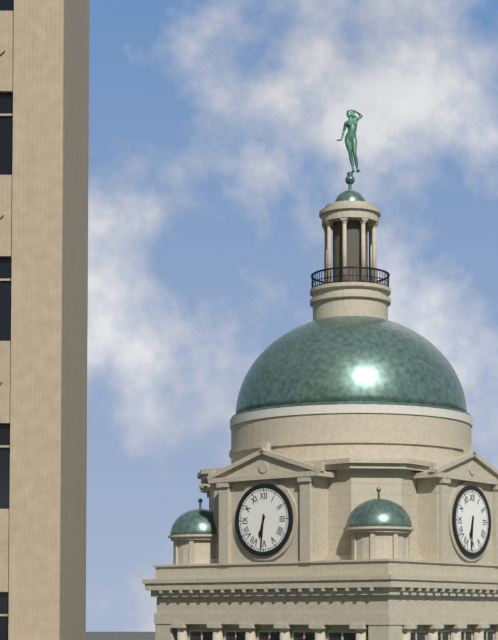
6:31
